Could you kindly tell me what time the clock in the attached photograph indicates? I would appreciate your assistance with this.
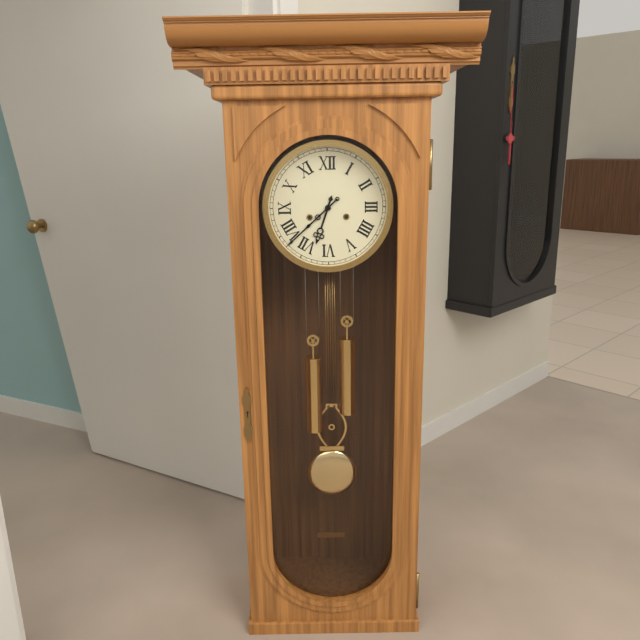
6:38
